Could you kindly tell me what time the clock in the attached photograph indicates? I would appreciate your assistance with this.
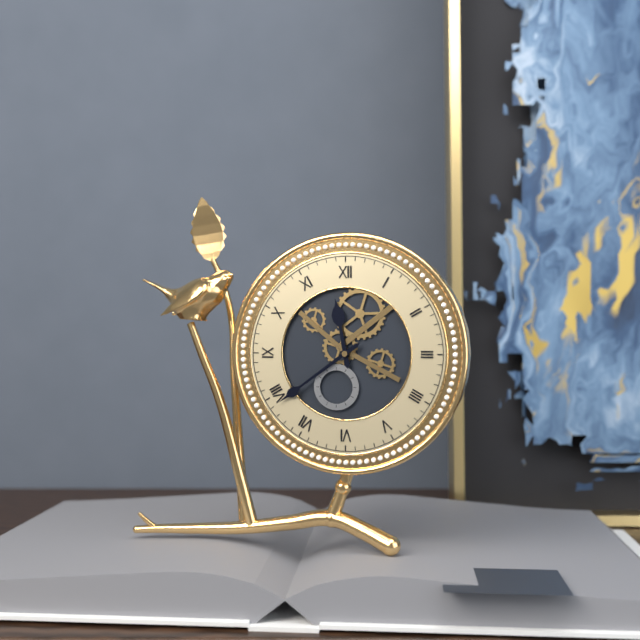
11:39
